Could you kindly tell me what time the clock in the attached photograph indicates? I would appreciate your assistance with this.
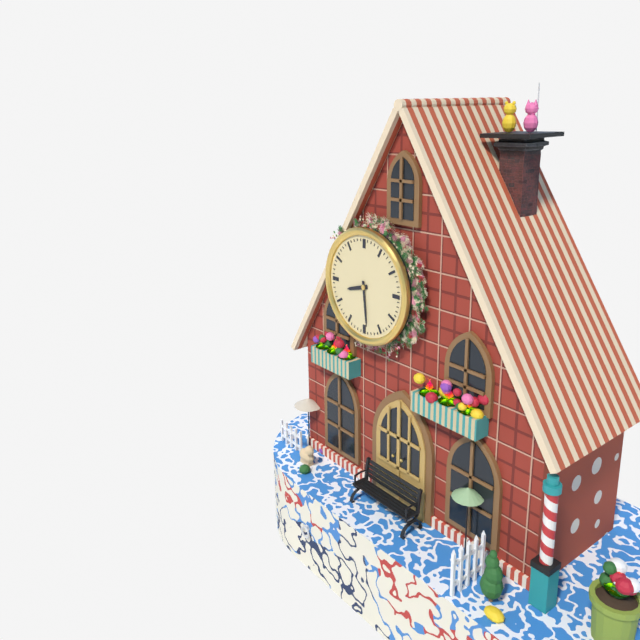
8:29
